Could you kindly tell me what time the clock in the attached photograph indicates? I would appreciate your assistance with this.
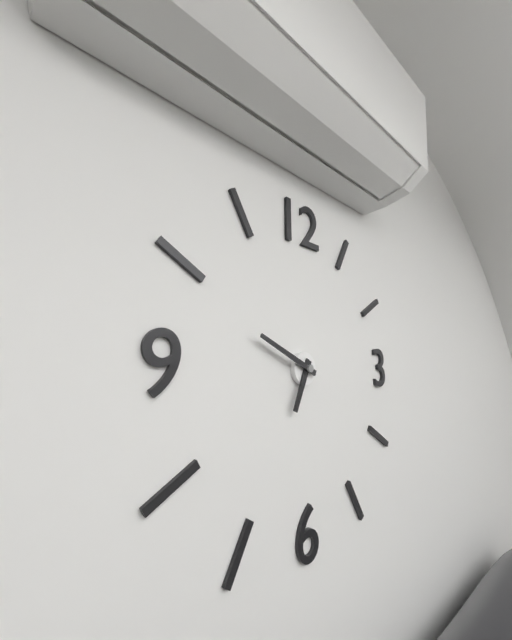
6:49
